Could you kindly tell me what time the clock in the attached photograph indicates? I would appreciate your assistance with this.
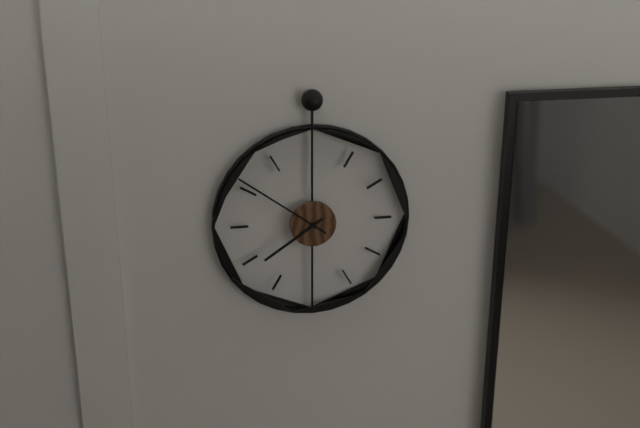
7:51
